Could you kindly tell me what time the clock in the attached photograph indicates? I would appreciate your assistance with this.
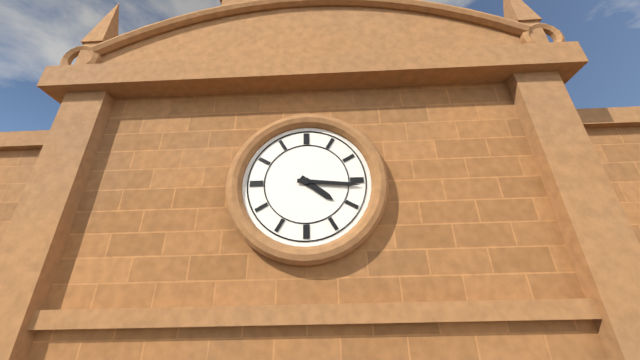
4:16
